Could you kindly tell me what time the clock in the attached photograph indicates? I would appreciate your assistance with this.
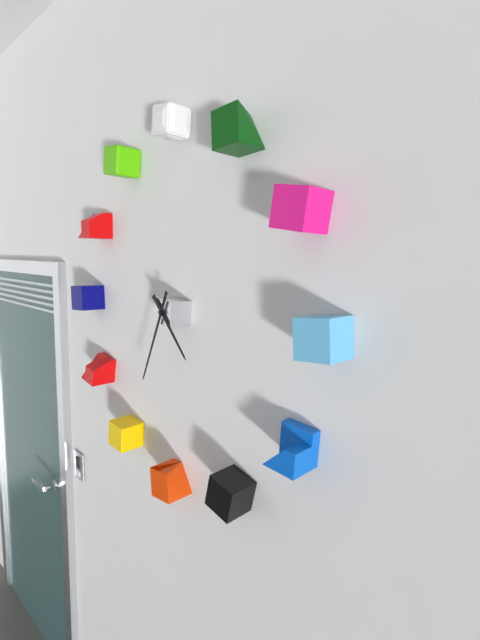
4:34
